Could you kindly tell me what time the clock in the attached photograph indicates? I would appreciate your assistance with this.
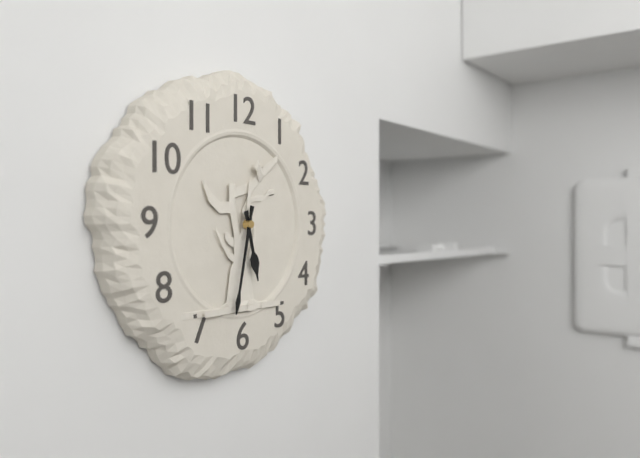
5:32
